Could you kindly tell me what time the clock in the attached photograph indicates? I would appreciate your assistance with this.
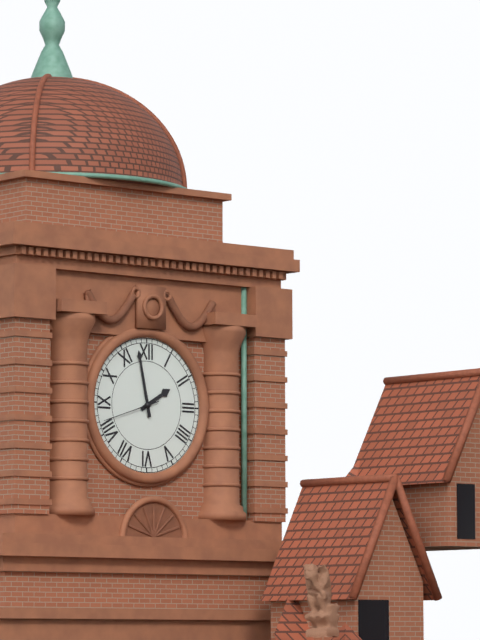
1:58:42
